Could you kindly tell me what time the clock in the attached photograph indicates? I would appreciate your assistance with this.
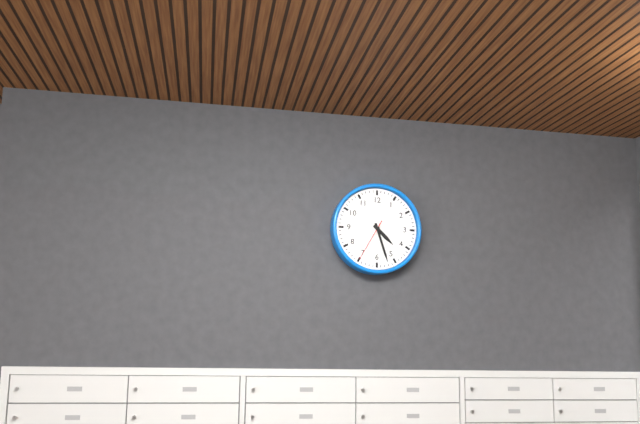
4:27
